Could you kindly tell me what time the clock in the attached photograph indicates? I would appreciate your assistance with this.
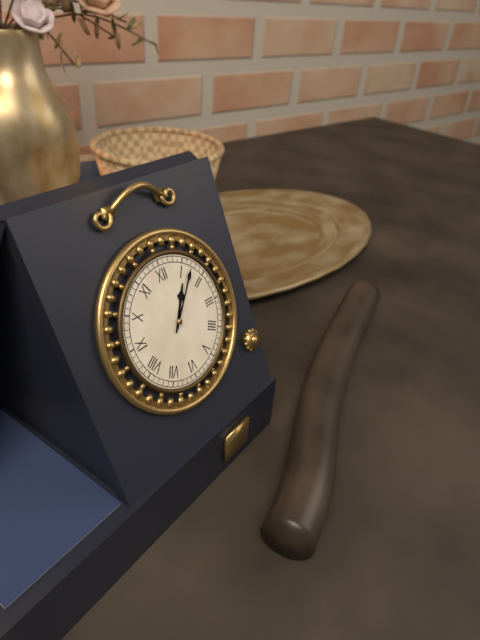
1:07
